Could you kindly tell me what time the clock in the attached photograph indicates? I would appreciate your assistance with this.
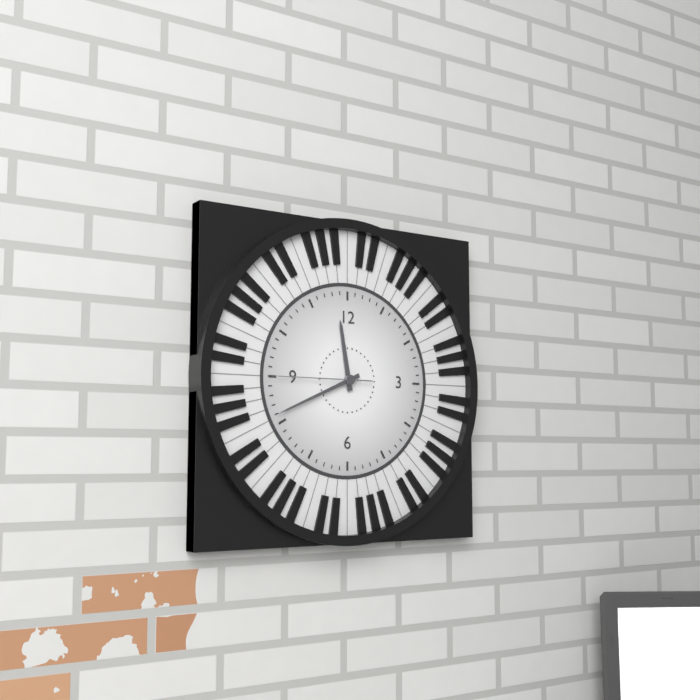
11:41:45
